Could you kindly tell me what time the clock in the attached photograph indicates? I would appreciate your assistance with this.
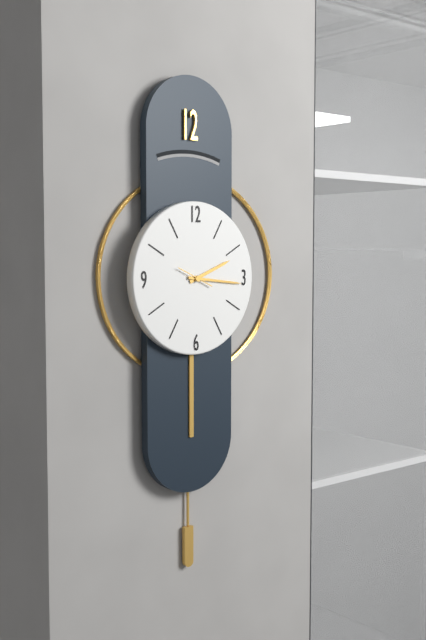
2:16
